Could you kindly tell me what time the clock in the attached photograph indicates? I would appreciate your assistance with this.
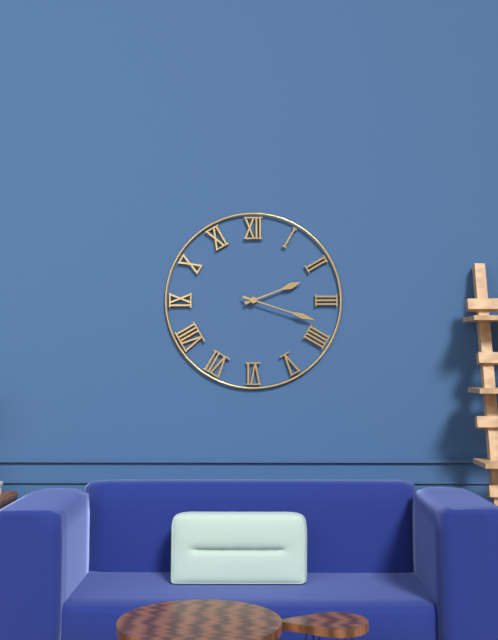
2:18
